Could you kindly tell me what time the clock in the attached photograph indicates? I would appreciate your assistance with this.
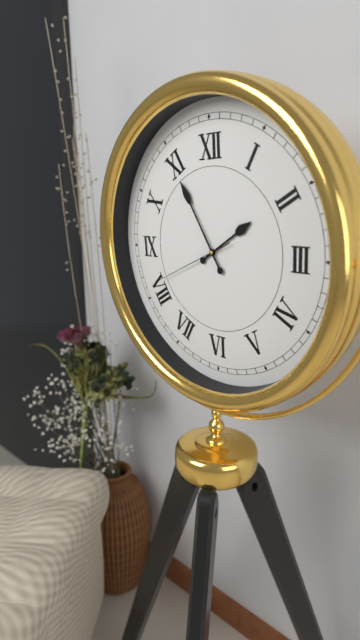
1:55:41
